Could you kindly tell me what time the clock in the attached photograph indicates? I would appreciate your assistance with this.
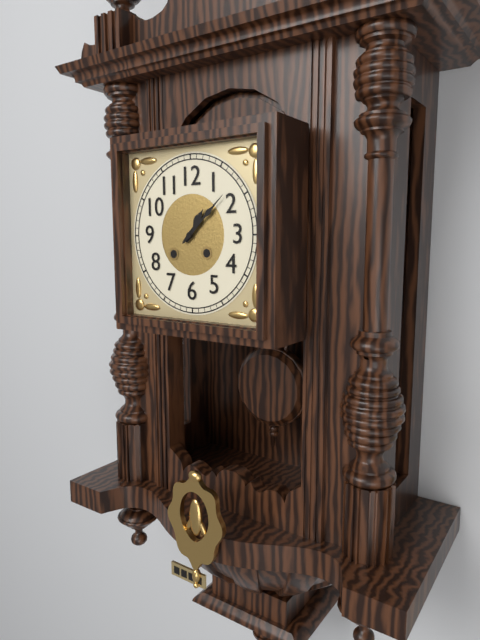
1:08
